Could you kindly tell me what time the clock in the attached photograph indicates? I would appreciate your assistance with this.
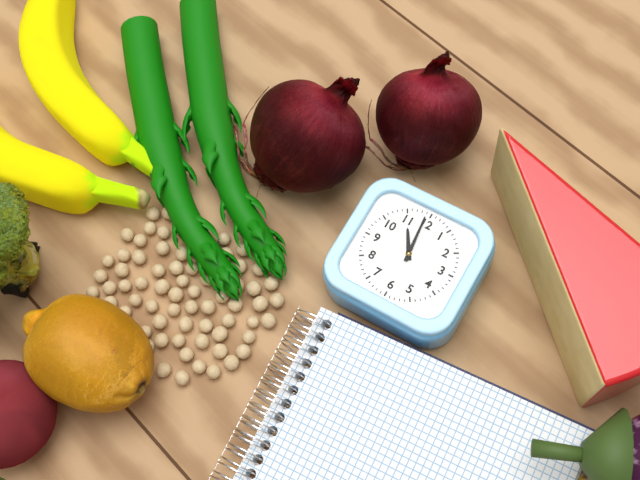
10:59
